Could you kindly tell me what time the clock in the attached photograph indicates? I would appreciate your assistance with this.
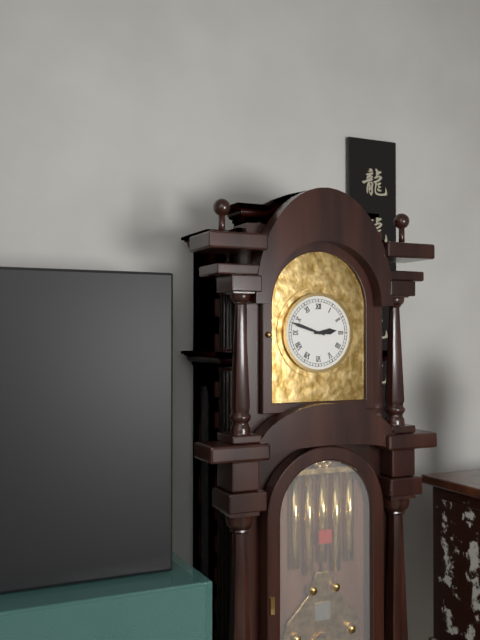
2:48
